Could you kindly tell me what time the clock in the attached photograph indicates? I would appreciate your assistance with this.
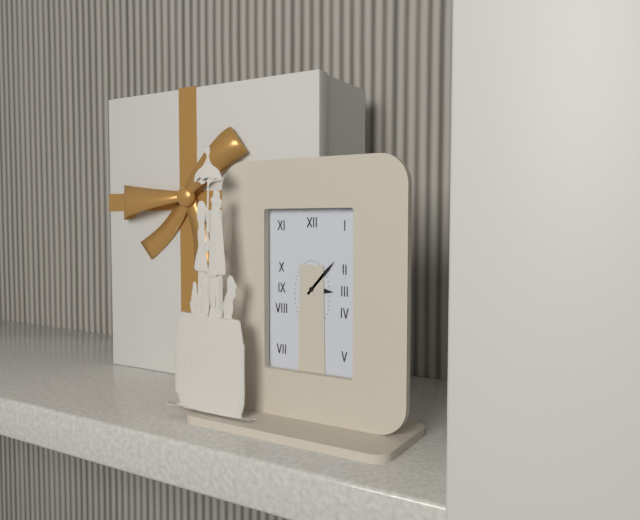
3:07
